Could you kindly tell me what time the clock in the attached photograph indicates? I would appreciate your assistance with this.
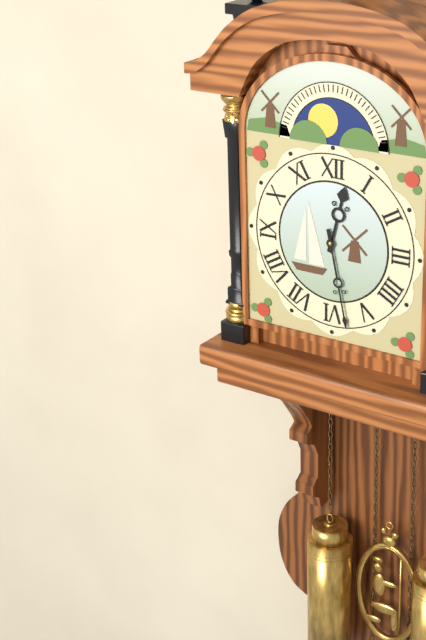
12:28
